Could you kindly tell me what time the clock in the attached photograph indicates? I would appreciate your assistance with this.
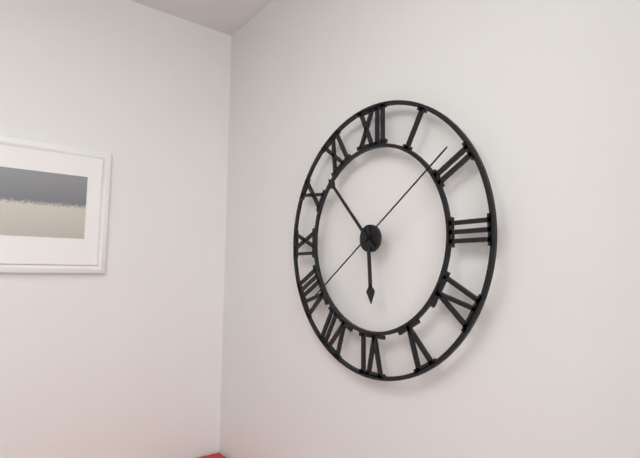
5:53:09
